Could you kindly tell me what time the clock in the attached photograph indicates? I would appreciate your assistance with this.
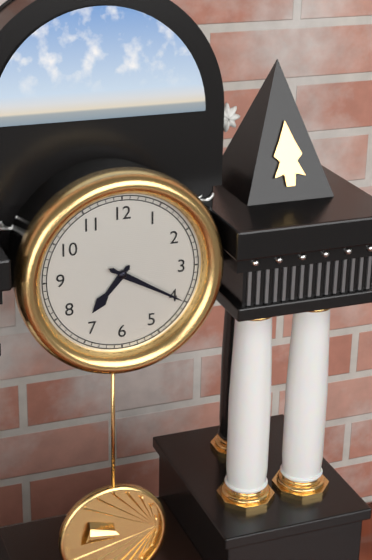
7:20
